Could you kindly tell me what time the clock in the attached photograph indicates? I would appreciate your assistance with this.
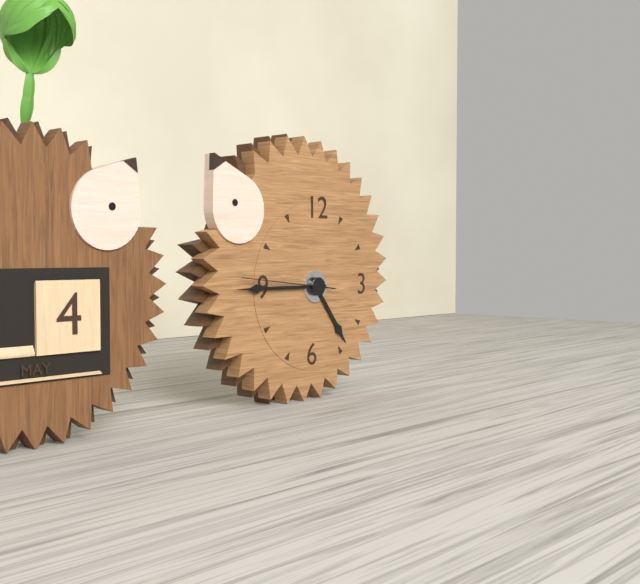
4:45:46
